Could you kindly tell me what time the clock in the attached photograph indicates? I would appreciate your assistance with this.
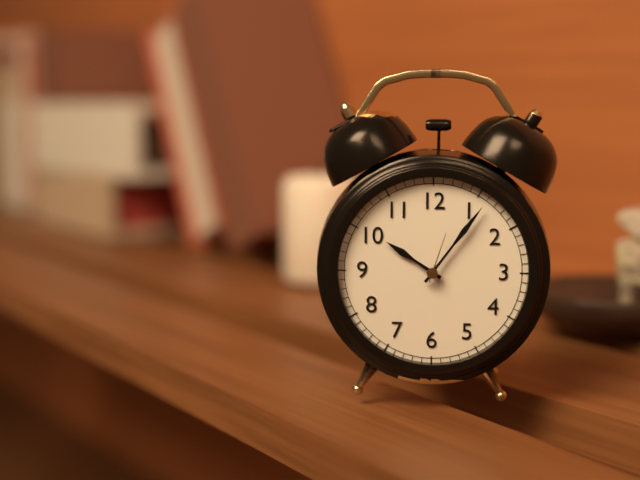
10:06:03
